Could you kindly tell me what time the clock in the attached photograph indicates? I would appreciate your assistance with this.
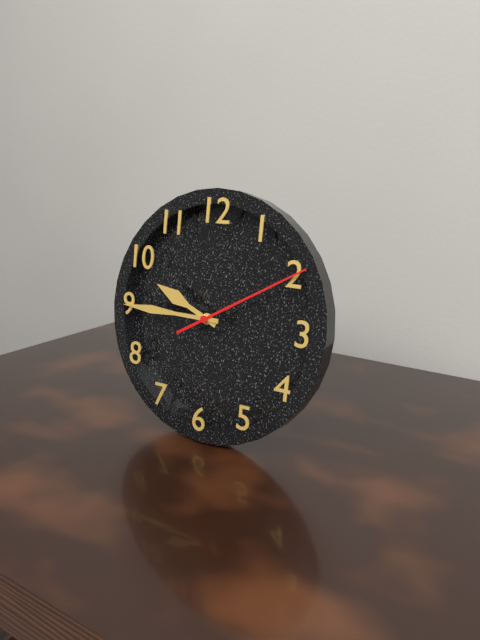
9:45:10
